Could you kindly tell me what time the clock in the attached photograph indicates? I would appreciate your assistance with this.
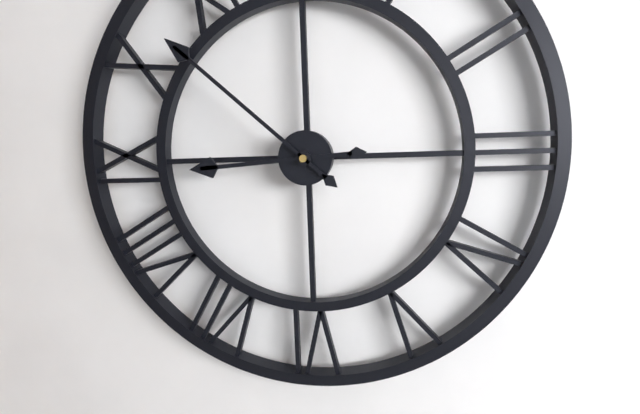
8:52
